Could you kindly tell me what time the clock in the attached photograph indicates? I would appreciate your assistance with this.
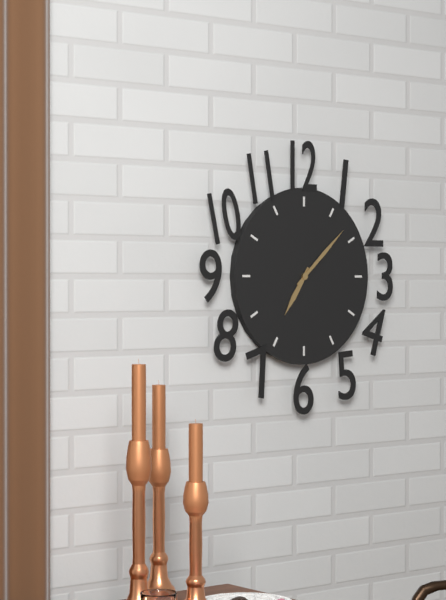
7:08
